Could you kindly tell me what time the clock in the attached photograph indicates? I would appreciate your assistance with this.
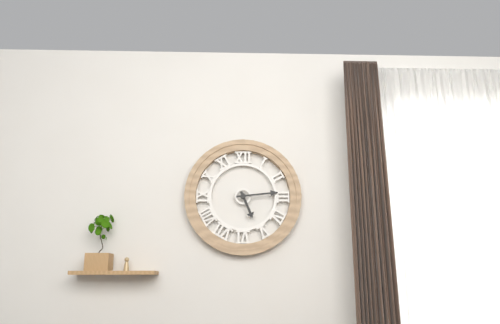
5:14
